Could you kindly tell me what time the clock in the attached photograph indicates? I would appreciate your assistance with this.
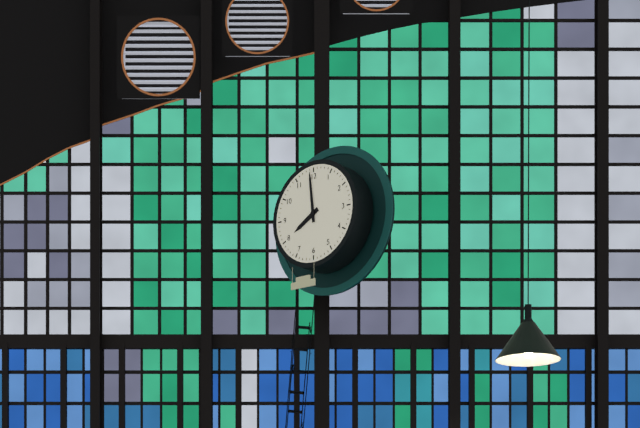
7:59
